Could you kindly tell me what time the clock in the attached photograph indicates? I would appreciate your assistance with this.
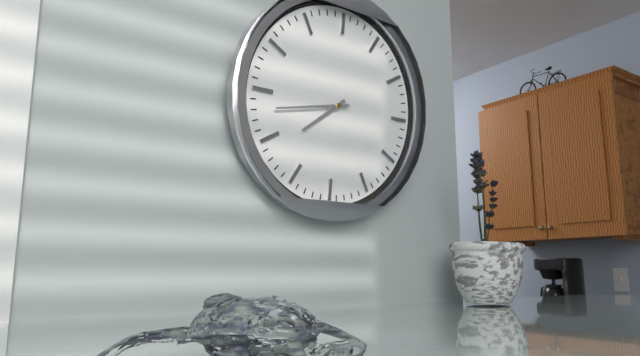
7:43
